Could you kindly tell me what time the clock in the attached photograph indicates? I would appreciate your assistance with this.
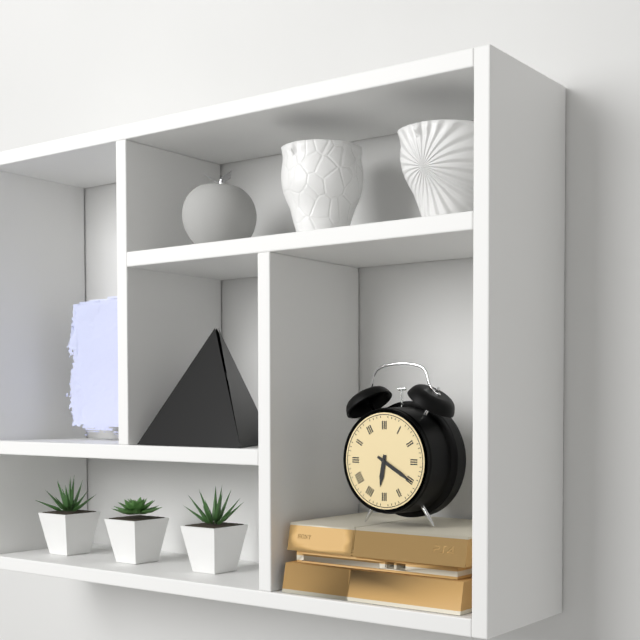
6:20
